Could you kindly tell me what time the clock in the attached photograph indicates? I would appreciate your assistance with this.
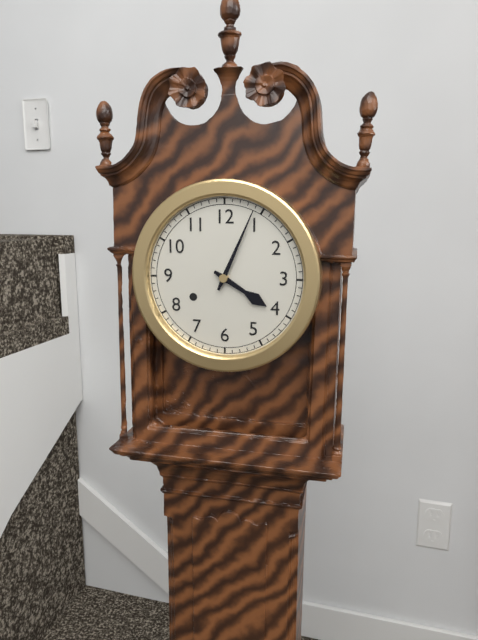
4:04
